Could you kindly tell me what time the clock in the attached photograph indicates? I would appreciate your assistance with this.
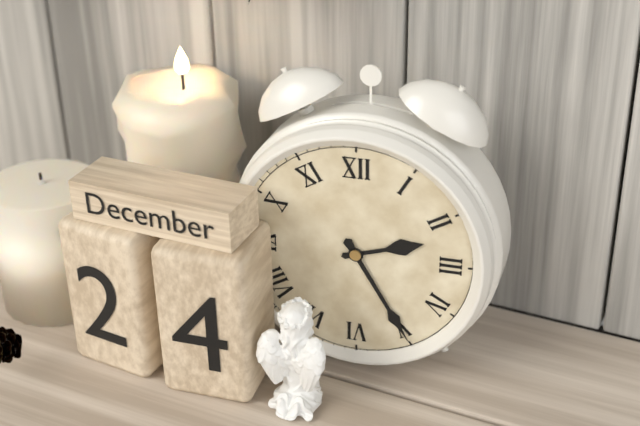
2:25
